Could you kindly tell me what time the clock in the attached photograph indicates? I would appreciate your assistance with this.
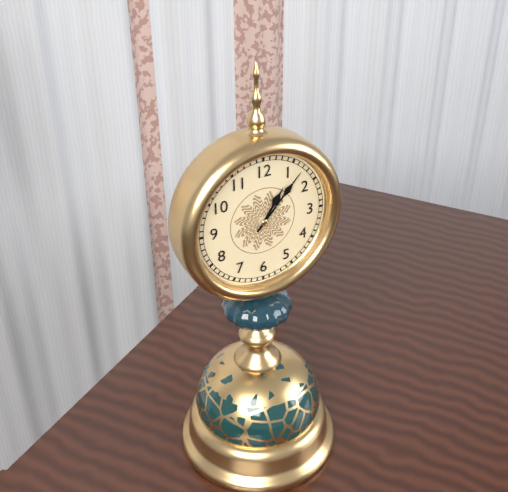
1:07
